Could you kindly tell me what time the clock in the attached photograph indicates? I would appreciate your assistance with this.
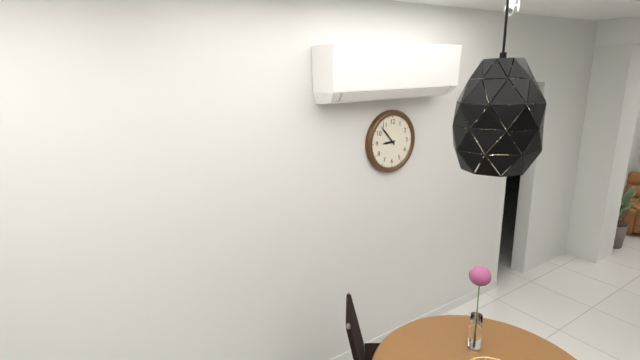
8:53
